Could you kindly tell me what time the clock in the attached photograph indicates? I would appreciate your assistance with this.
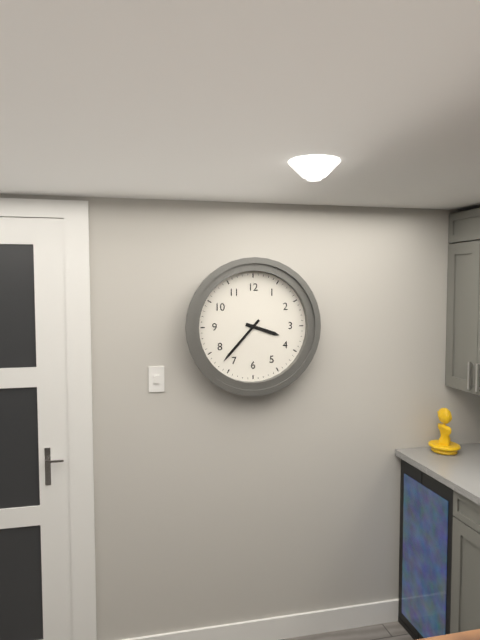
3:37
